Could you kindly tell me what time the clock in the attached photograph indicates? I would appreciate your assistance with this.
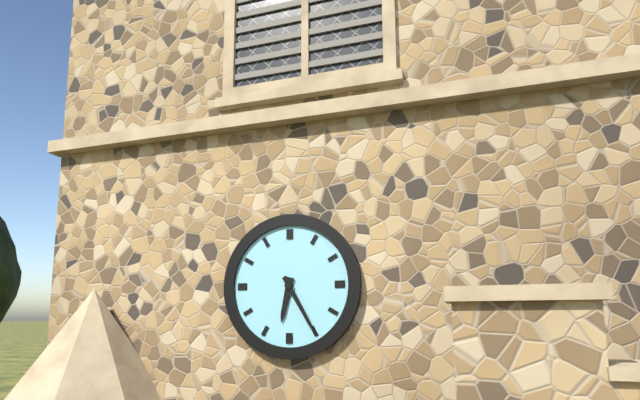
6:25
